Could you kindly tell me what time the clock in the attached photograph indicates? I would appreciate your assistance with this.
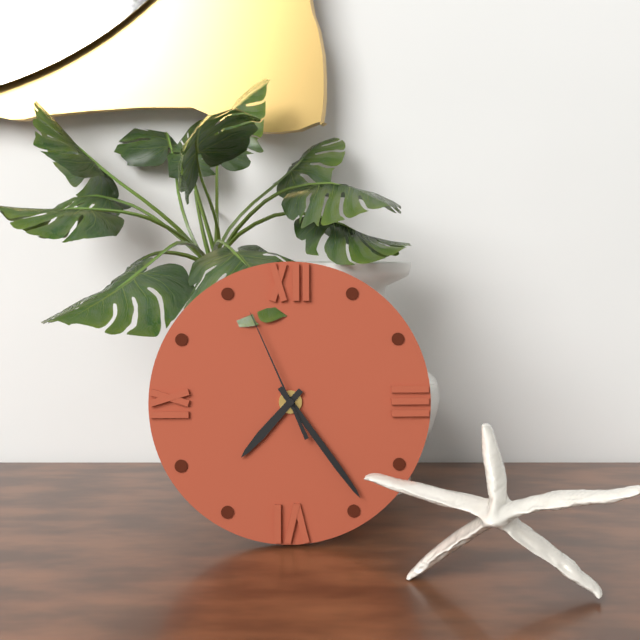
7:24:56
